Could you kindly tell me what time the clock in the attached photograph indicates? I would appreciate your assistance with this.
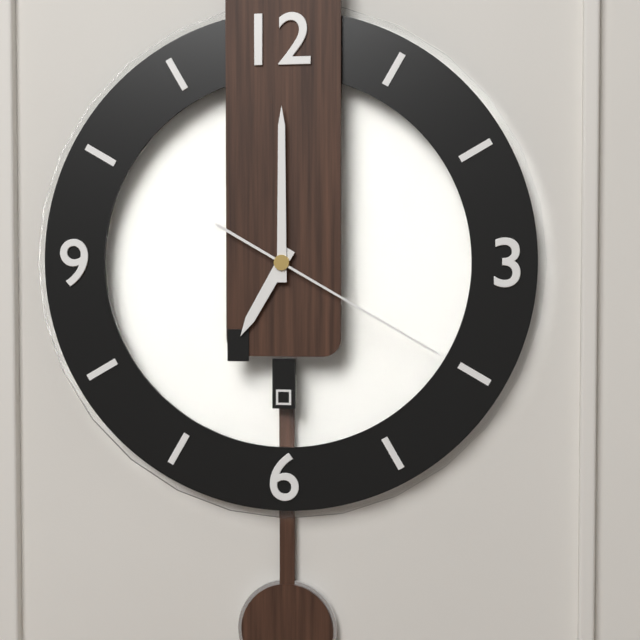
7:00:20
